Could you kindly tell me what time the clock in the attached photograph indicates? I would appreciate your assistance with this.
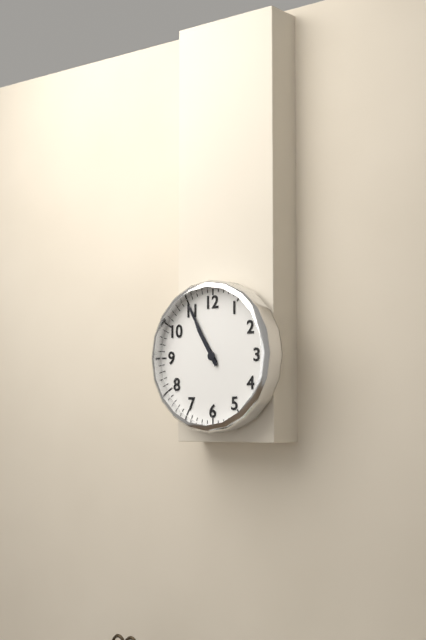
10:55
